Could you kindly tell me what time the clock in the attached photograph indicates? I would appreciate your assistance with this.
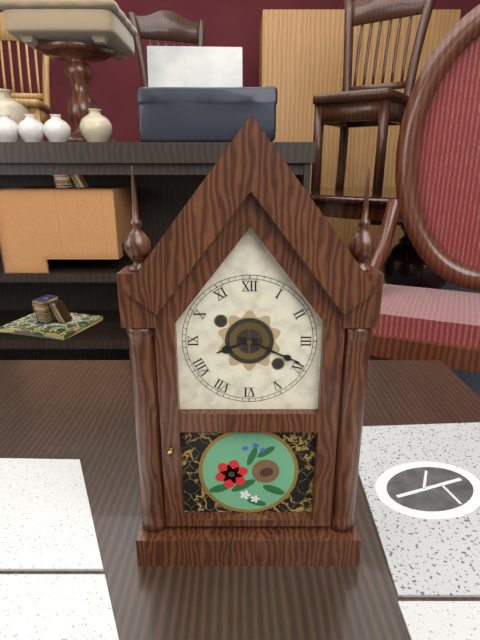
8:19
